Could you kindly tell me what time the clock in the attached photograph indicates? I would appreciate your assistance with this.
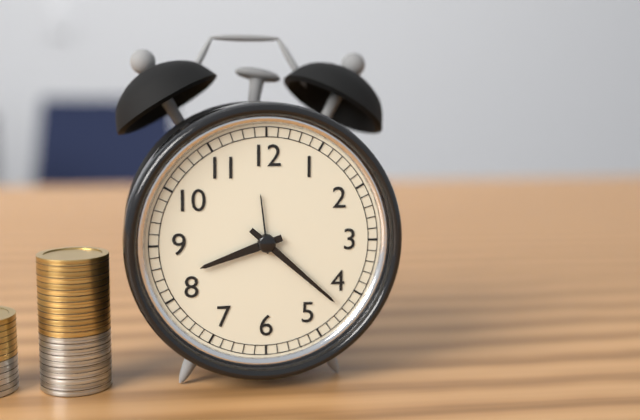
8:22
